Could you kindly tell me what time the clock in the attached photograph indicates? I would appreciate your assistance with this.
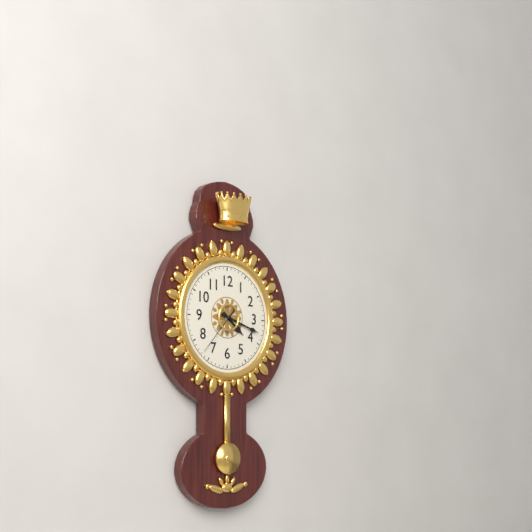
4:18:37
